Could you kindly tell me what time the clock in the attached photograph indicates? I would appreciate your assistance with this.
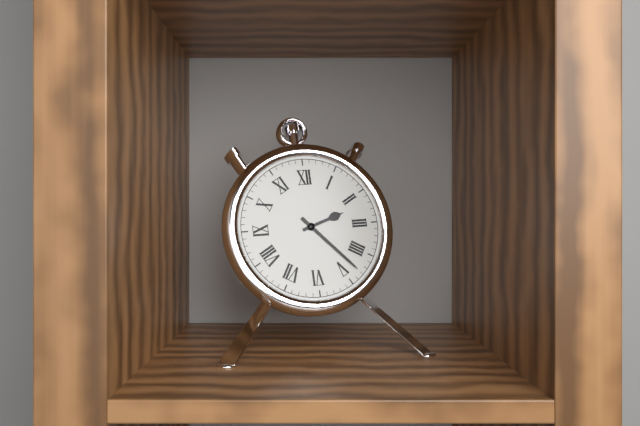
2:23
